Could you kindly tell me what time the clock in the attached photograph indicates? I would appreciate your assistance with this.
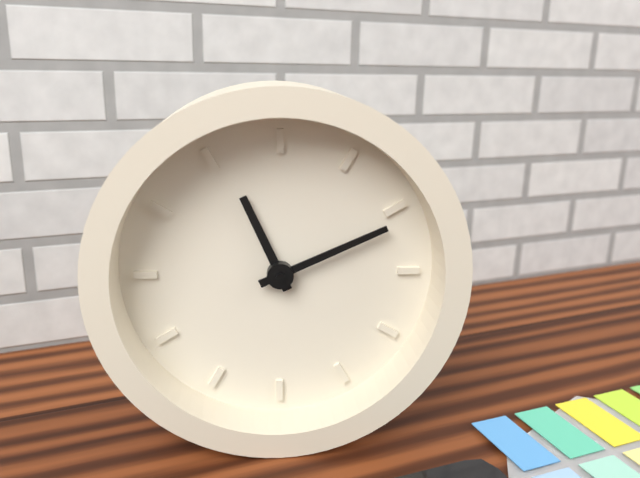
11:11
